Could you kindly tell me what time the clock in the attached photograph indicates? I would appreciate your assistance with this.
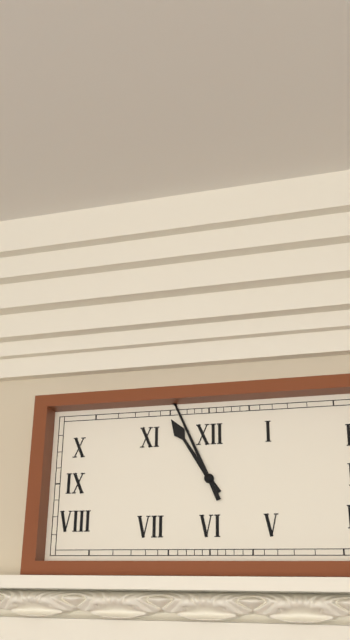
10:56
